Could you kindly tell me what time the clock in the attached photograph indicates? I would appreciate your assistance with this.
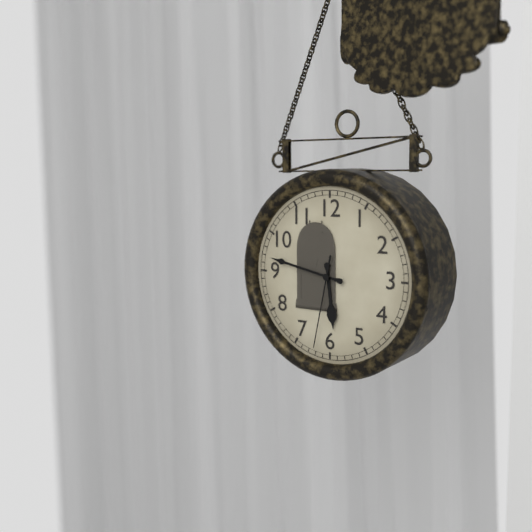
5:47:32
